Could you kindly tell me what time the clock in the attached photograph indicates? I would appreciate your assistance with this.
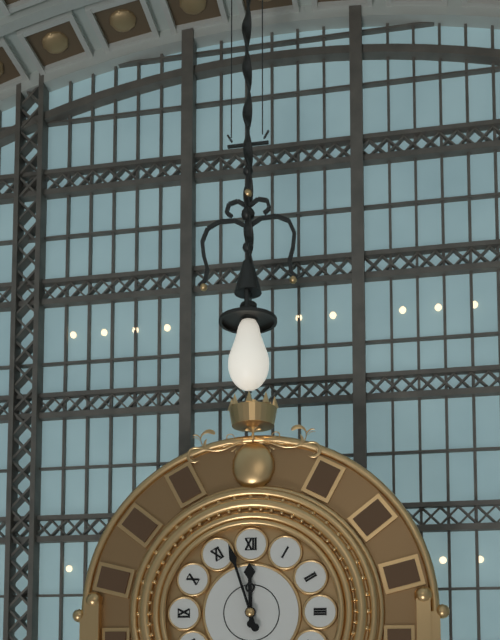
11:57
